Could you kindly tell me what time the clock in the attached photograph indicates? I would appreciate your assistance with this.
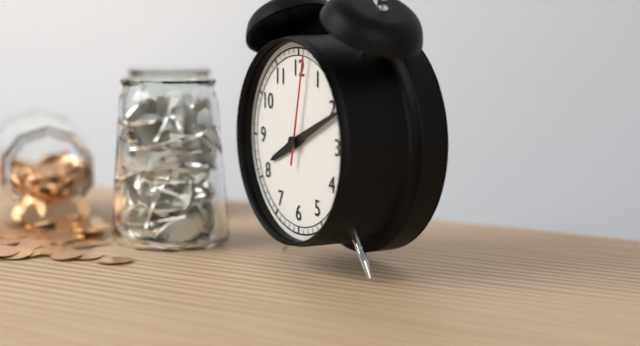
8:11:02
